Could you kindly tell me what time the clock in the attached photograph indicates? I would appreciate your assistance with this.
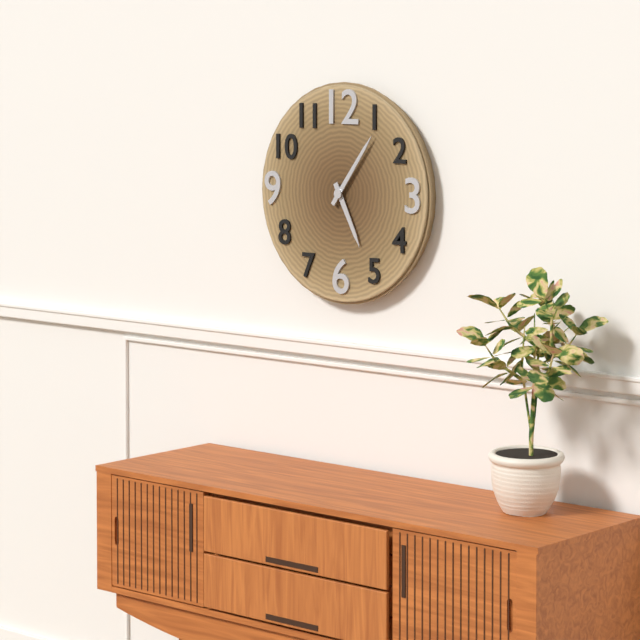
5:06
